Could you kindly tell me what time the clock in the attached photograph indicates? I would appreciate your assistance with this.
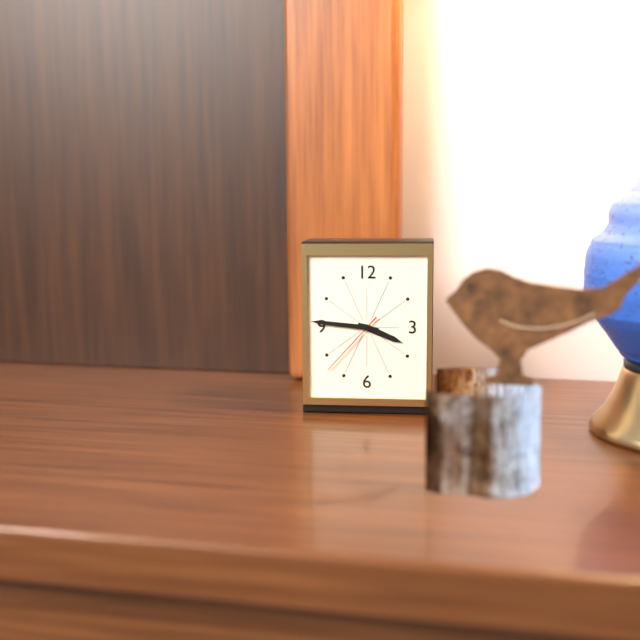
3:46:37
